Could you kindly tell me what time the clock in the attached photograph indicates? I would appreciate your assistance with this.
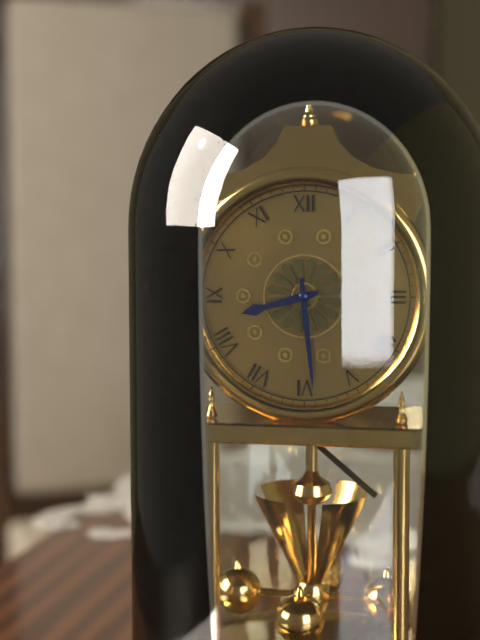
8:29
